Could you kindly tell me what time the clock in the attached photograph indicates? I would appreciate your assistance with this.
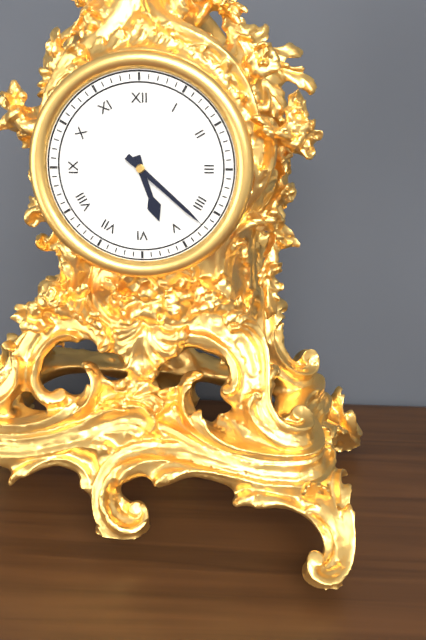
5:22
